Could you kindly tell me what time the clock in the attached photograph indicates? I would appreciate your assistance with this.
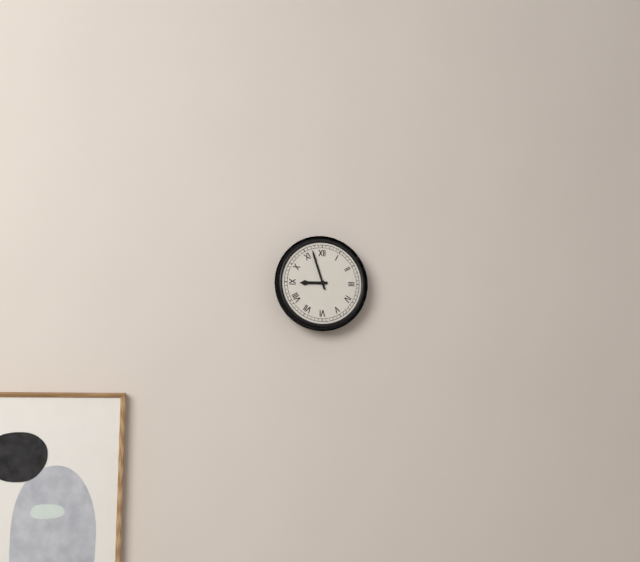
8:57
